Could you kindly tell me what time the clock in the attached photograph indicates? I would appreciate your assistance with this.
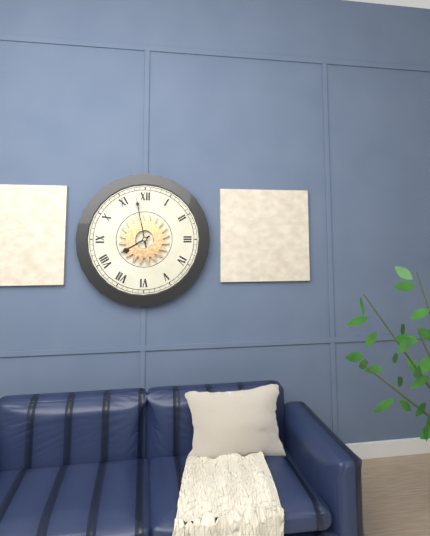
7:58
